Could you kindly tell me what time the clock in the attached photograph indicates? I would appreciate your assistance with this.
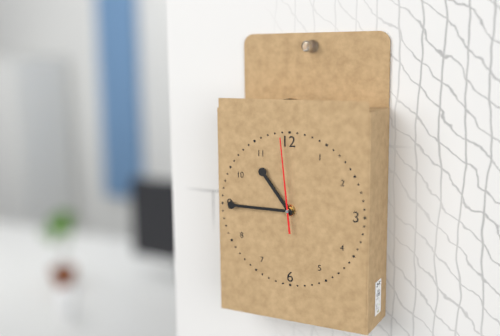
10:45:59
